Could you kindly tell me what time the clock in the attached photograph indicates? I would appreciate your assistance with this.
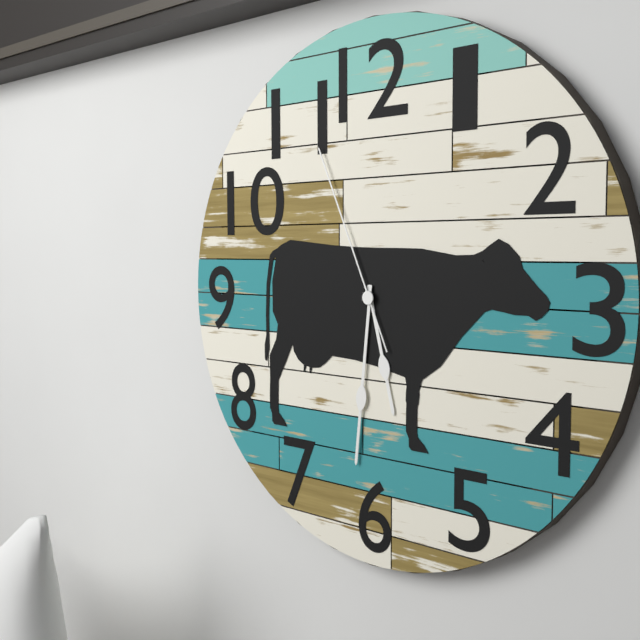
5:31:56
